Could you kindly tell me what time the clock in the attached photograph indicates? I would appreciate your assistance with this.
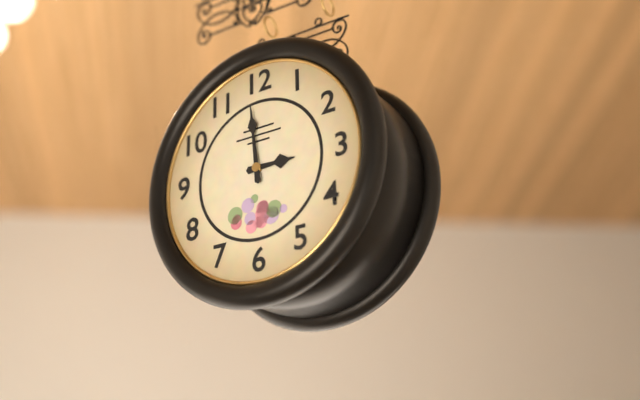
2:59
